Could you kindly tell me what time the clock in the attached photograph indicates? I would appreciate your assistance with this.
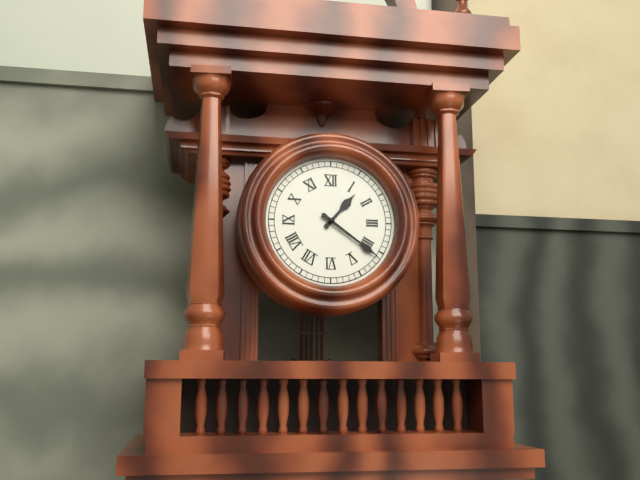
1:21
